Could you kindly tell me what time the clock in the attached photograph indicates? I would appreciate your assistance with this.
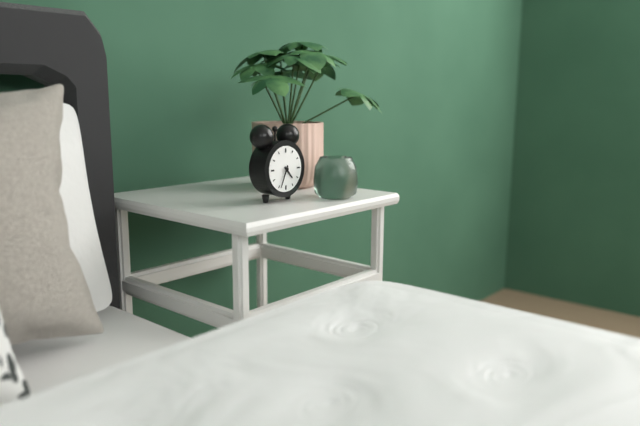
4:34
